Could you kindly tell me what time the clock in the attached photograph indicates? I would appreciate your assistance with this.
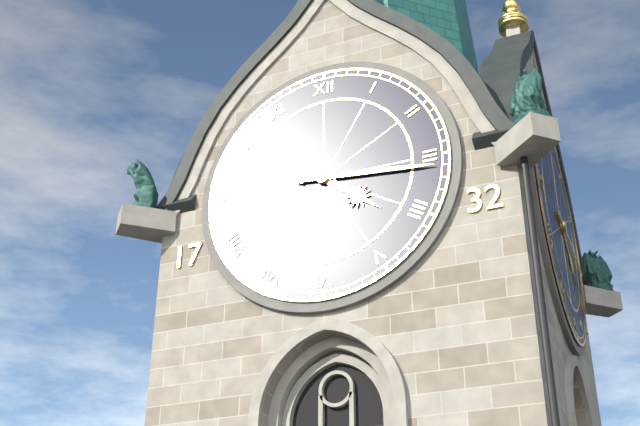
4:16
